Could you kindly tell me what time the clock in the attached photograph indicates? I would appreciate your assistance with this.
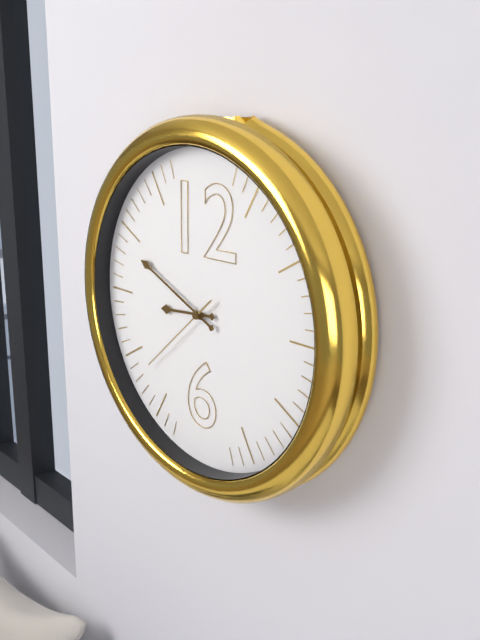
8:49:38
